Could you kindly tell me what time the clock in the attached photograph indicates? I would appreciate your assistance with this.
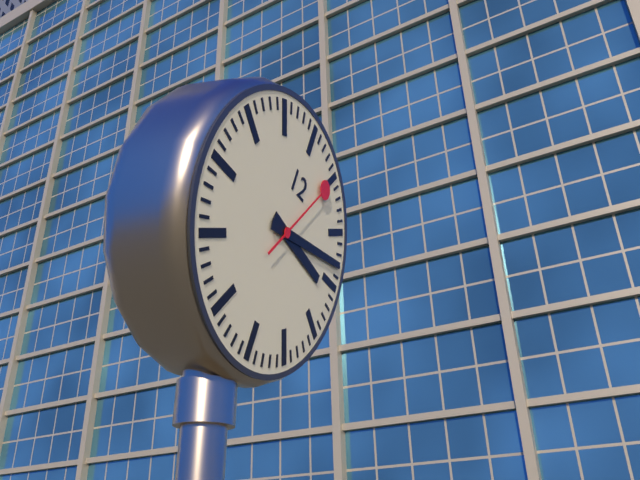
3:13:05
